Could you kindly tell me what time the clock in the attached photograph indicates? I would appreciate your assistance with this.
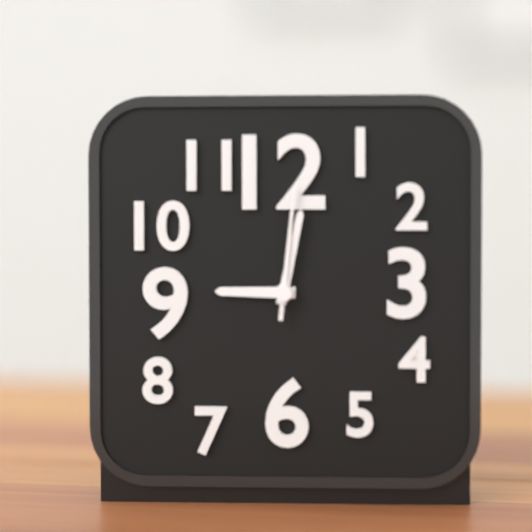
9:02:01
